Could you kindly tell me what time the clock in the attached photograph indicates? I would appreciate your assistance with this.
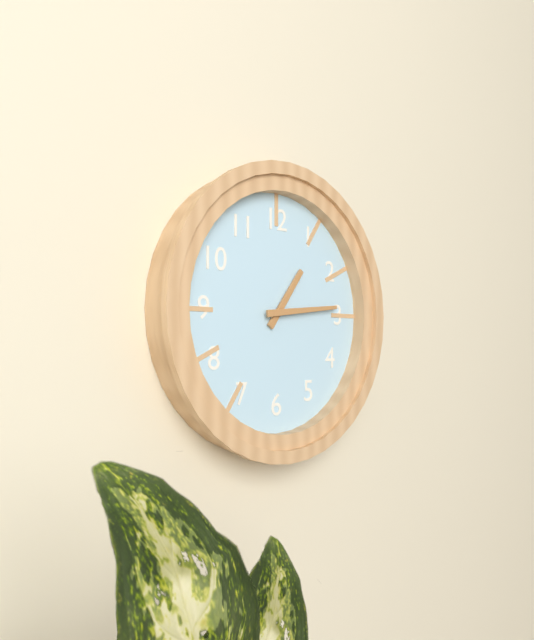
1:14
